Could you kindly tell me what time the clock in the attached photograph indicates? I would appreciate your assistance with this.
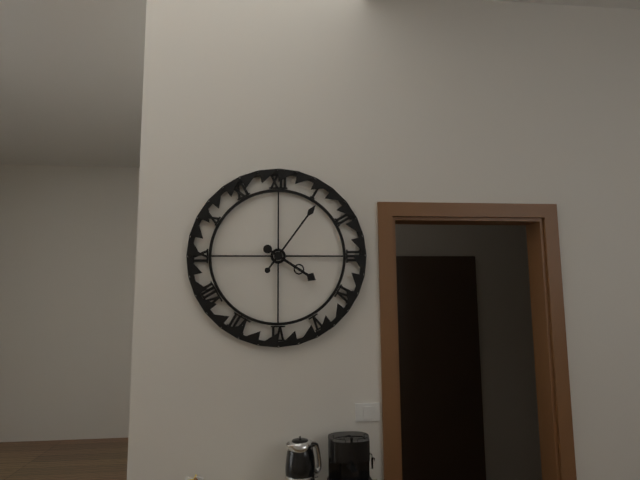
4:06
